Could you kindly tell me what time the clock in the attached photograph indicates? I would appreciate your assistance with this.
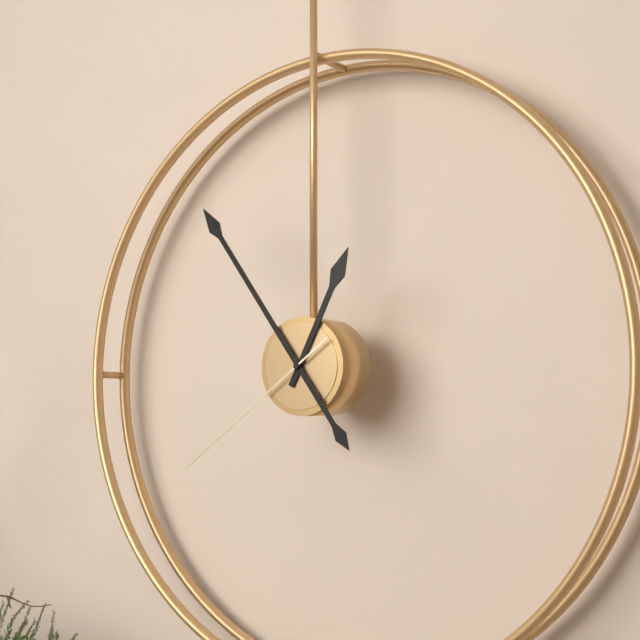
12:54:39
